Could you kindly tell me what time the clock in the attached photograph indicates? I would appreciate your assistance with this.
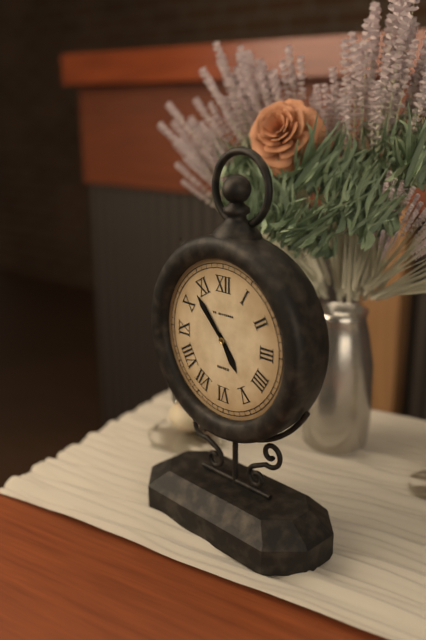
4:53
